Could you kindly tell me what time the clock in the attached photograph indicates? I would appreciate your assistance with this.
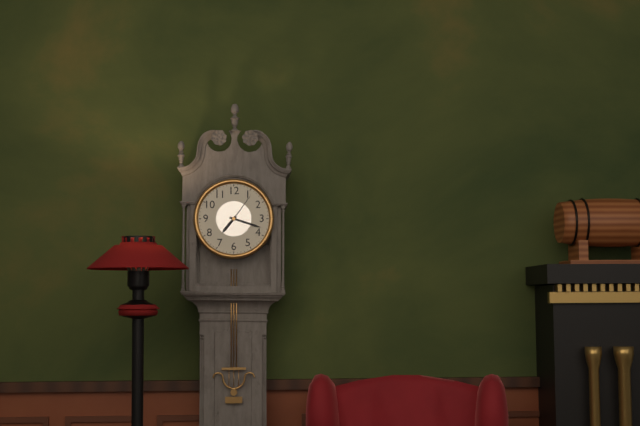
7:18
